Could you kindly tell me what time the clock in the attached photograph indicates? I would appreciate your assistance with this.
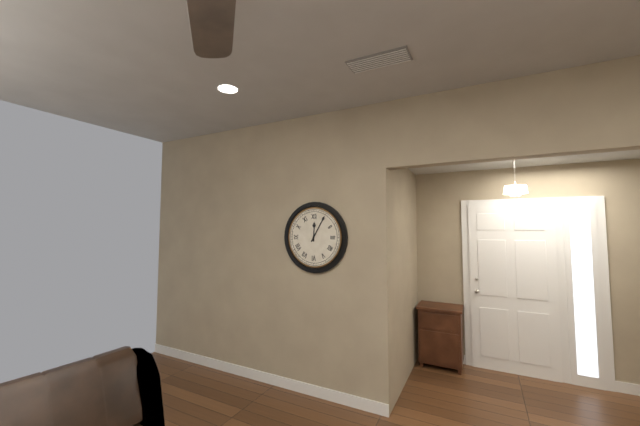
12:05
